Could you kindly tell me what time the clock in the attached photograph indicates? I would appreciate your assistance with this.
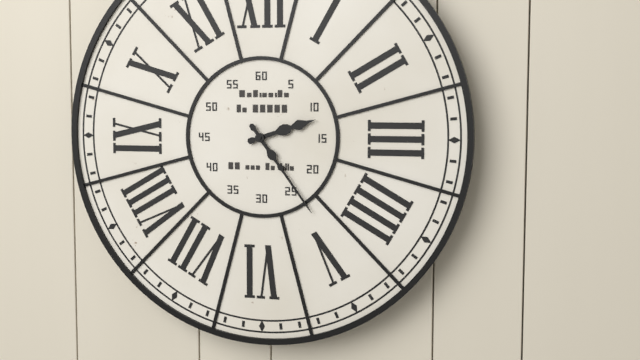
2:24
